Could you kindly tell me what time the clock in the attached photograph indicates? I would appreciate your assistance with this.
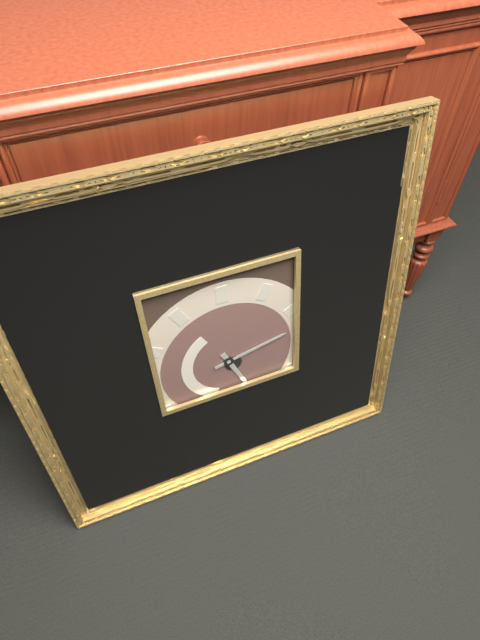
5:13
